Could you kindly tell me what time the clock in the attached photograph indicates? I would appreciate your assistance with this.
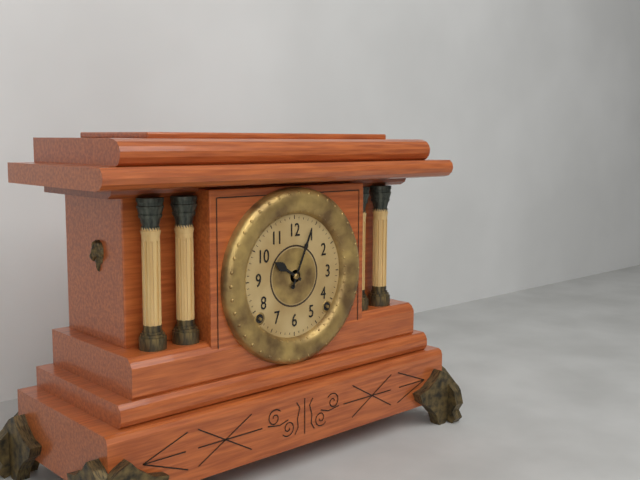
10:04
